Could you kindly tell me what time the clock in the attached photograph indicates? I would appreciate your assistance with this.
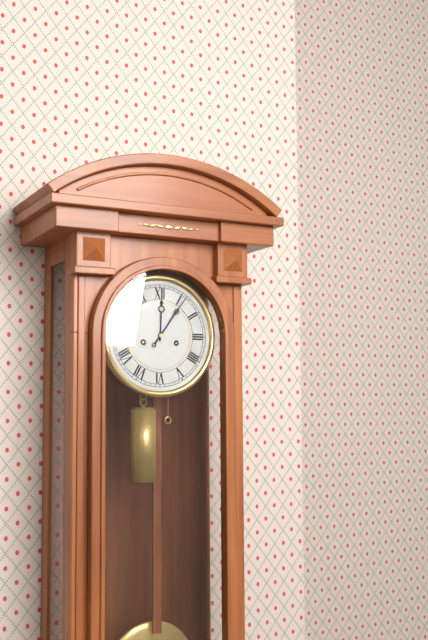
12:06
